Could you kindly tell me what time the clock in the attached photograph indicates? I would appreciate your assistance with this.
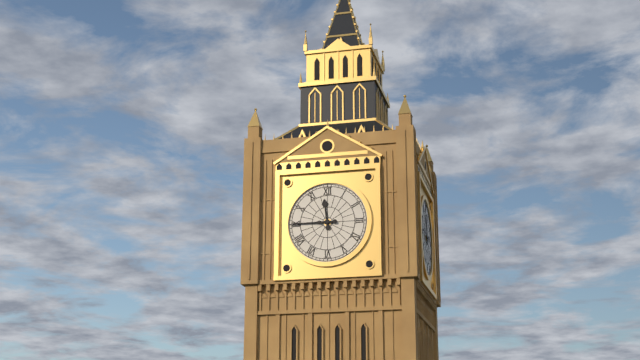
11:45
